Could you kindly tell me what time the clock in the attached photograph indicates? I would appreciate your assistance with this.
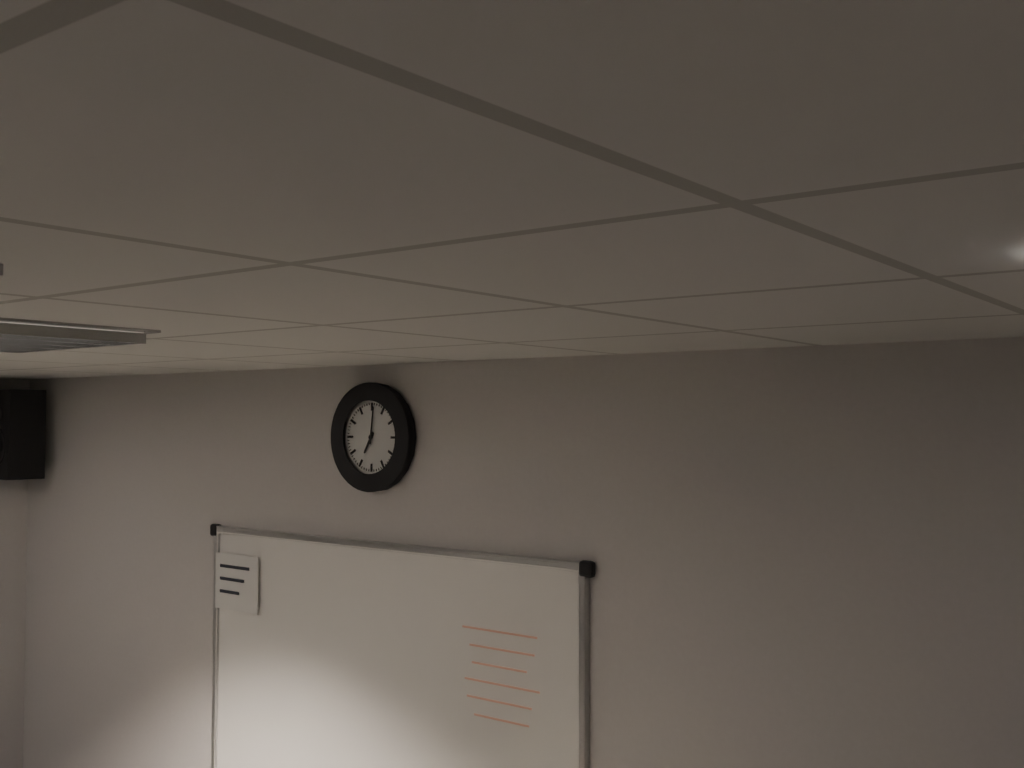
7:01
